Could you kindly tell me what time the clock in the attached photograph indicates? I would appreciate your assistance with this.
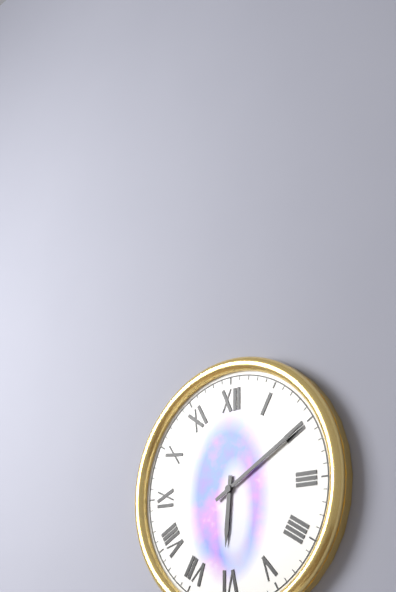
6:10
